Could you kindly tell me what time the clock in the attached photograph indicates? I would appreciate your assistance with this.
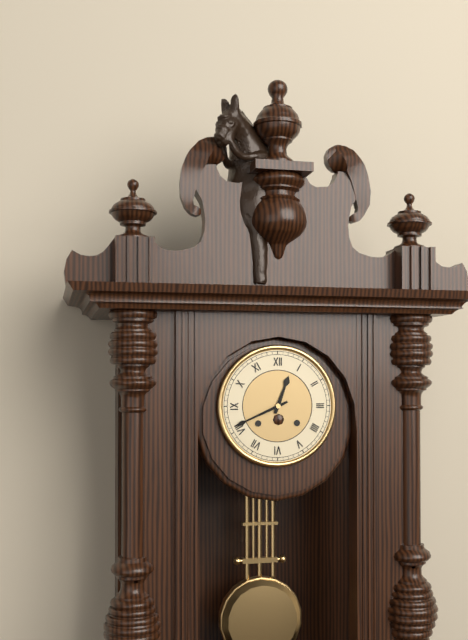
12:41
